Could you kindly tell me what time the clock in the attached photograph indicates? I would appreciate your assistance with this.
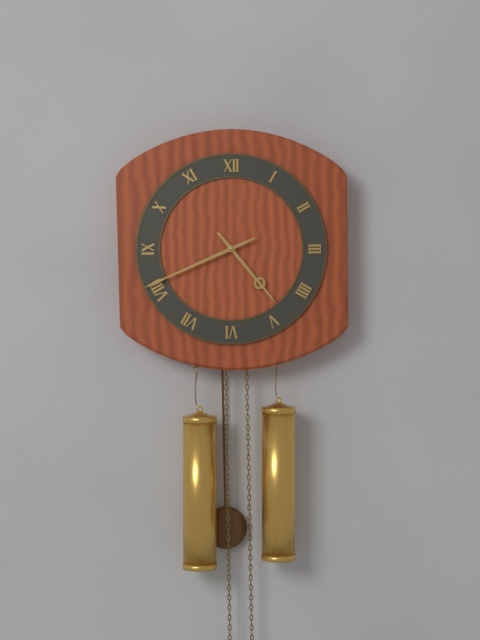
4:41
